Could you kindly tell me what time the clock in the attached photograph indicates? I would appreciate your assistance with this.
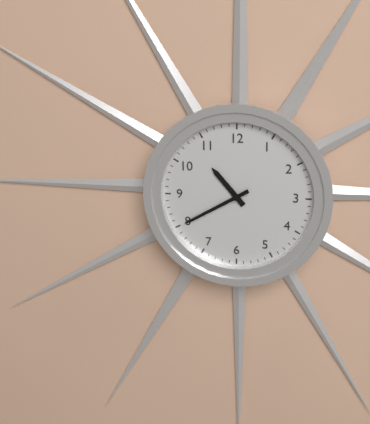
10:40
